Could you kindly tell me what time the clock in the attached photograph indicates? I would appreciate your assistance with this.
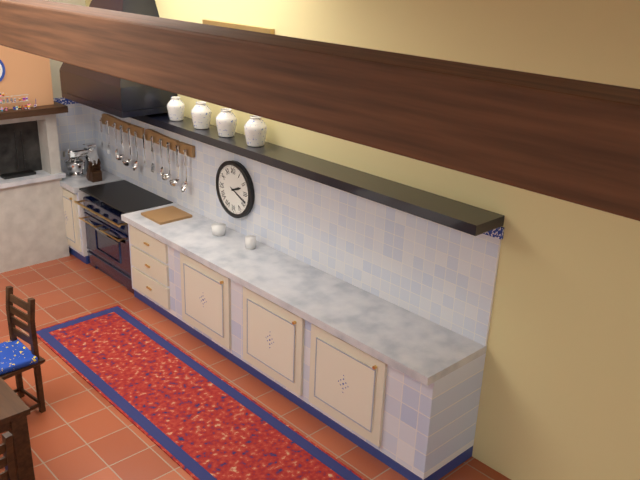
2:19
